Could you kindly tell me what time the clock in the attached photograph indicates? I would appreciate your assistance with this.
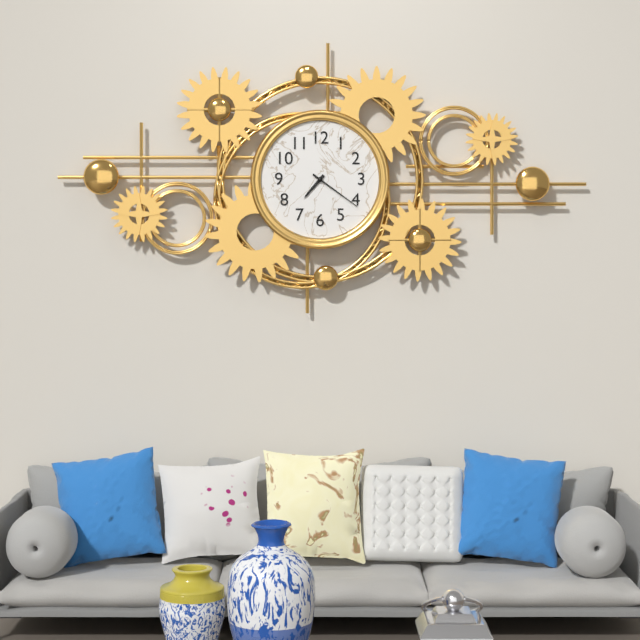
7:21
